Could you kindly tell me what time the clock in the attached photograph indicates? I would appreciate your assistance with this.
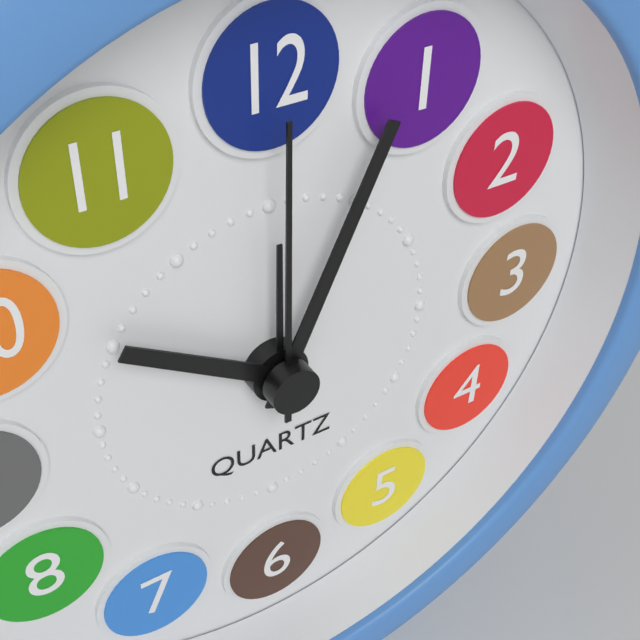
10:04:00
